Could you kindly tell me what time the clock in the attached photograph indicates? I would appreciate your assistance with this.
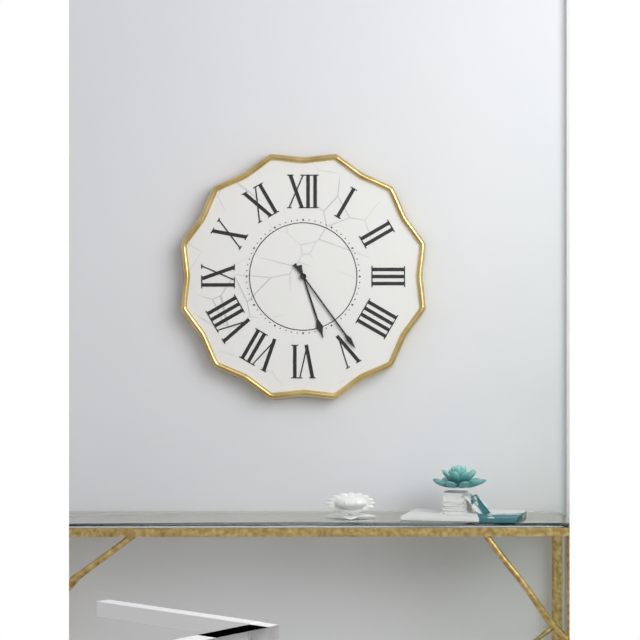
5:24
